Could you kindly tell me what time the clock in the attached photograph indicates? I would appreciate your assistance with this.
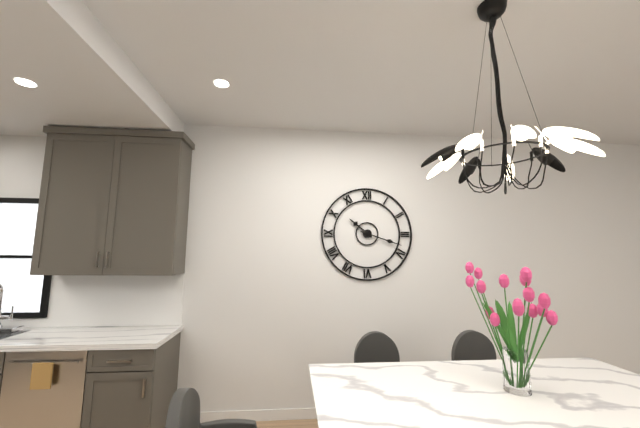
10:18
